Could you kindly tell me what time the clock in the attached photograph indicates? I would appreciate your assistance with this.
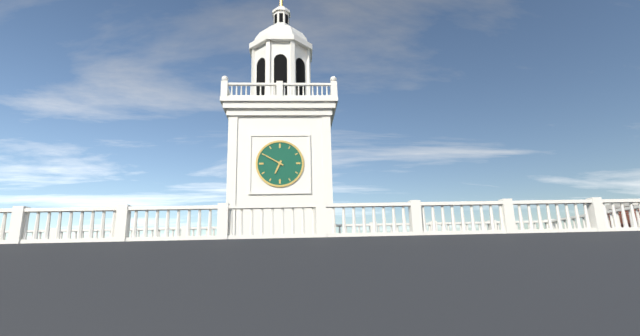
6:50
